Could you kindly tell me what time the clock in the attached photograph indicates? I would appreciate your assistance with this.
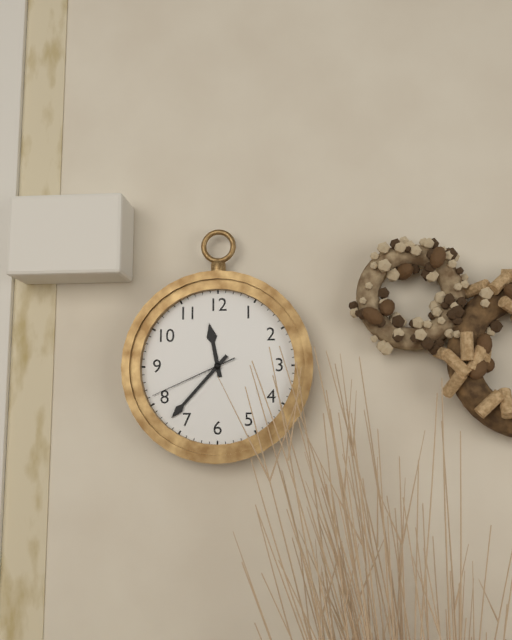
11:37:41
